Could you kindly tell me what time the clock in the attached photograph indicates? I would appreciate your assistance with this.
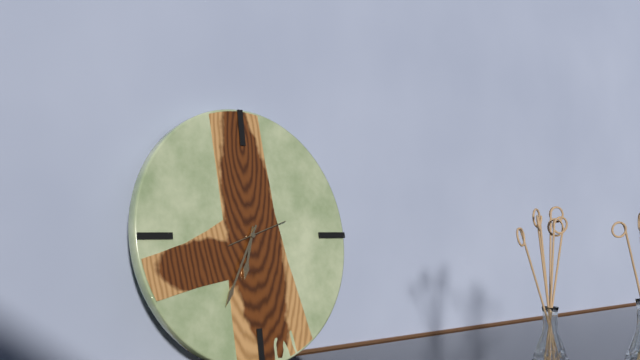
6:35:12
